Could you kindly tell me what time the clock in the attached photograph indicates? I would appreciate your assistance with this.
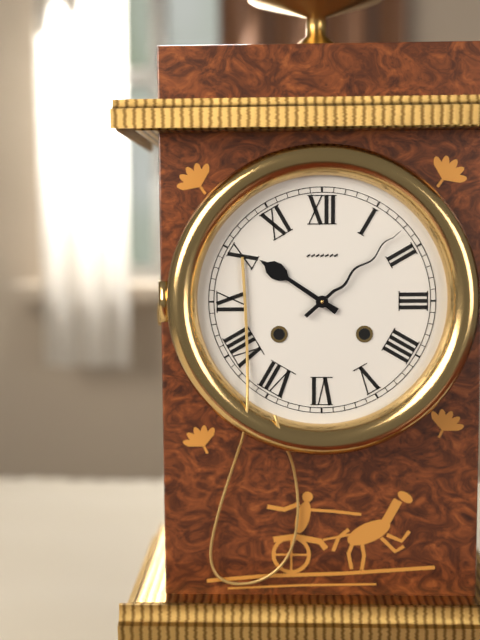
10:08
